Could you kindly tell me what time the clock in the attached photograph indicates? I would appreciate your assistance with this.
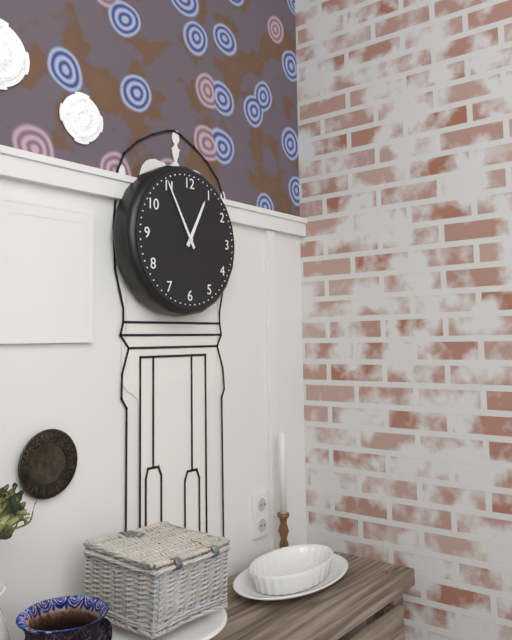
12:55
